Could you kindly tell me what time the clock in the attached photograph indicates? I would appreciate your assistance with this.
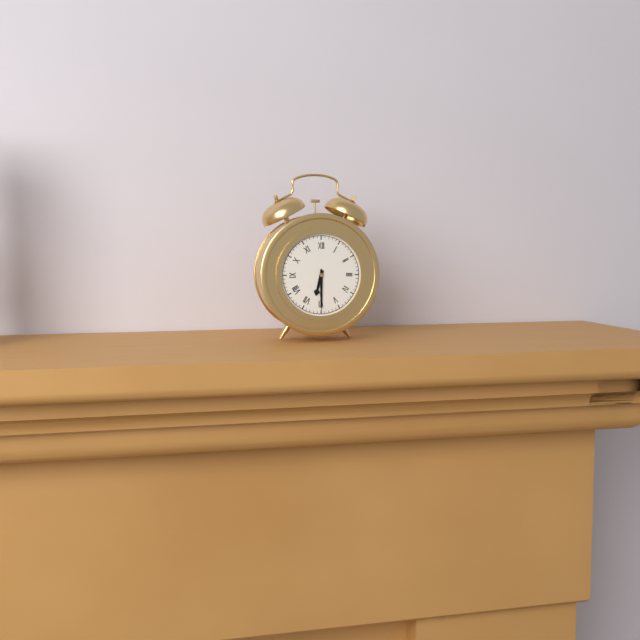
6:30
